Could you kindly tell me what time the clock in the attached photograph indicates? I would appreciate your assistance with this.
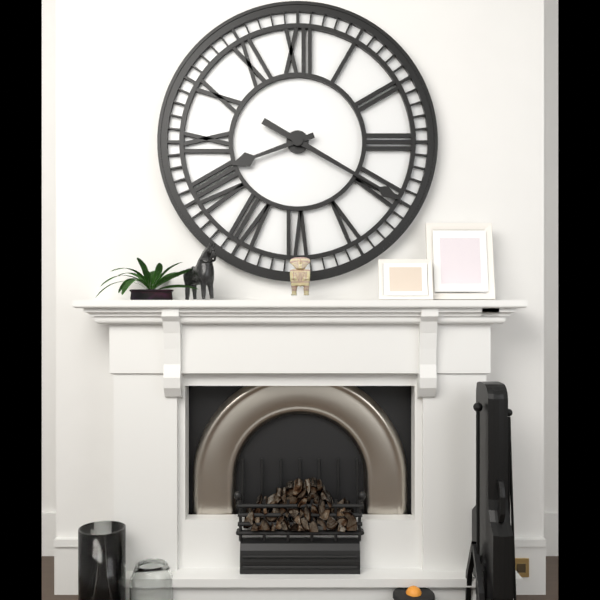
8:20
